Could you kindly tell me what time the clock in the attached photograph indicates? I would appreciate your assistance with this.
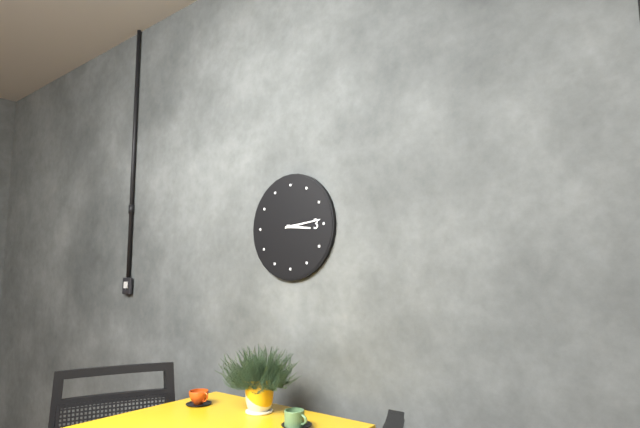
3:14
